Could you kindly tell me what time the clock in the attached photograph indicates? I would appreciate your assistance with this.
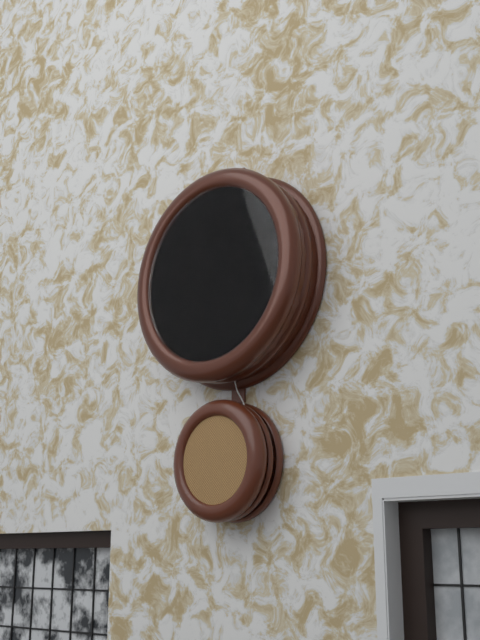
4:31
